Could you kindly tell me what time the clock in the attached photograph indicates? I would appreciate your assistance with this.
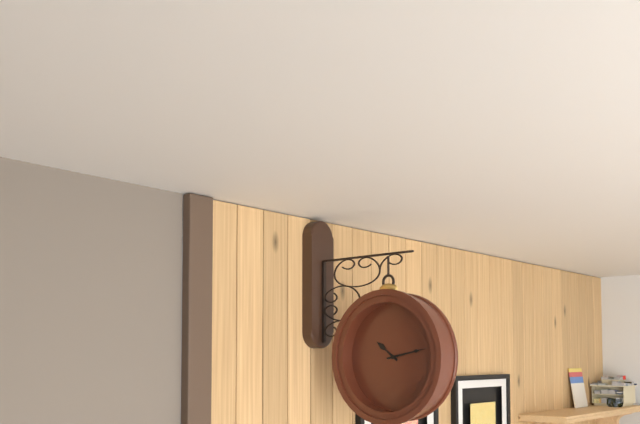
10:13
